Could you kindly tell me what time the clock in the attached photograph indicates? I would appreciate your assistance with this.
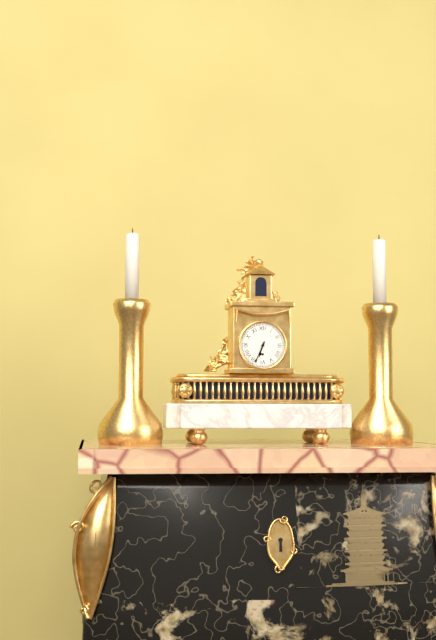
6:34
